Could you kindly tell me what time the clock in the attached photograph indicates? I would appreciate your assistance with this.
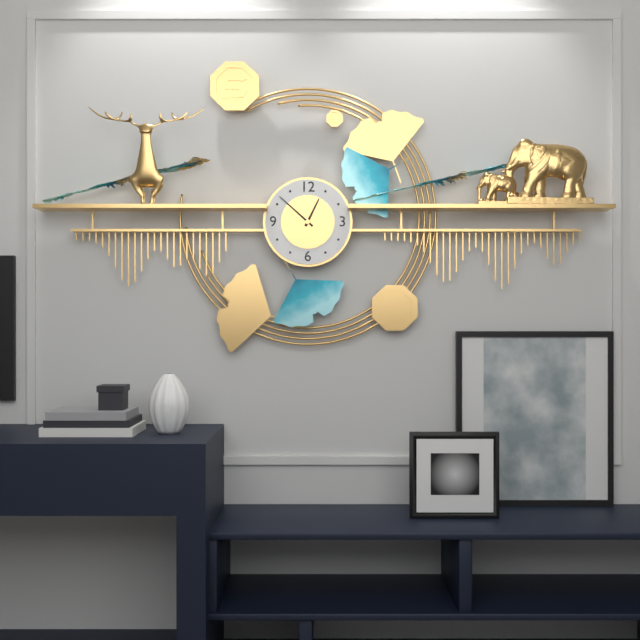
12:52
